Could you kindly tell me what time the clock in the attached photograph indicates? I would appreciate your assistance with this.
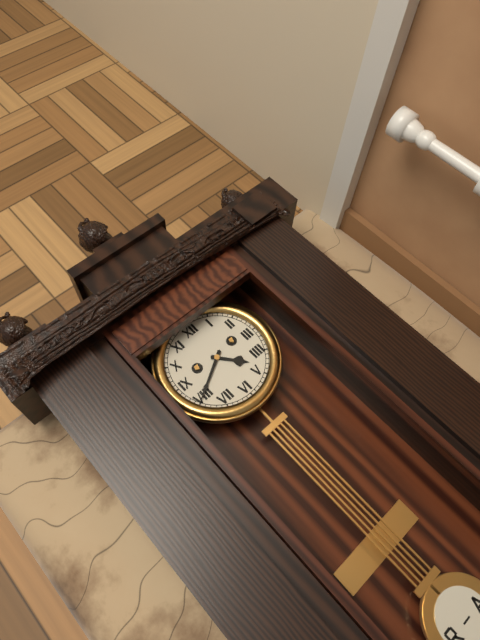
4:40
